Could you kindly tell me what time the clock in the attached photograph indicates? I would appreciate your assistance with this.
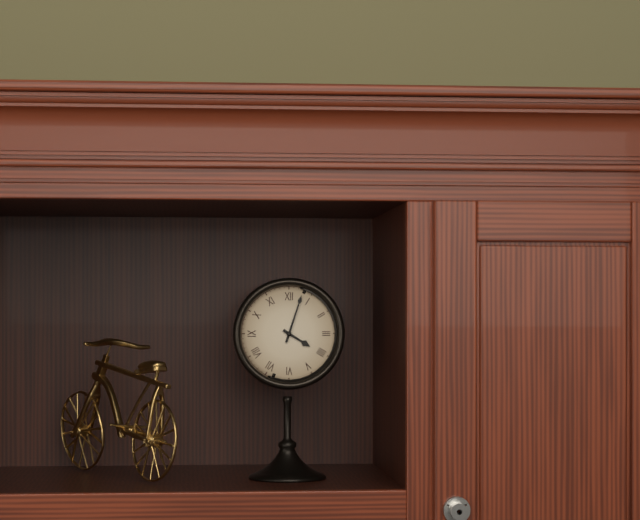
4:03
